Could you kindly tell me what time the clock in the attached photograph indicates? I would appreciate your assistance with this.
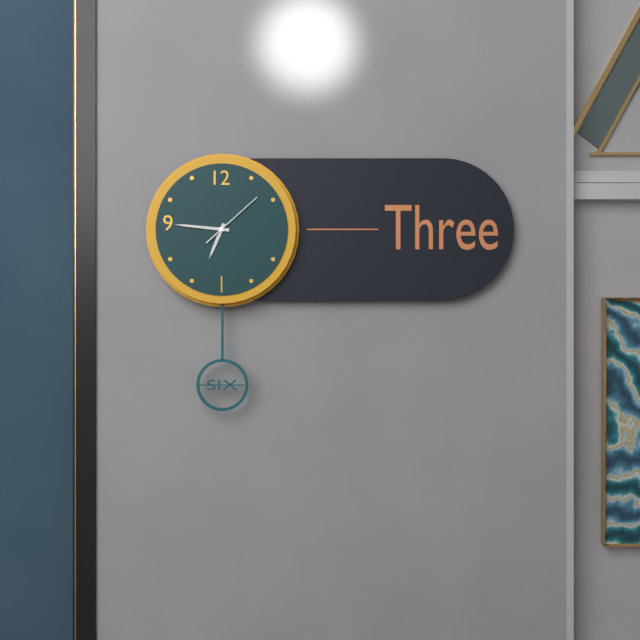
6:46:08
